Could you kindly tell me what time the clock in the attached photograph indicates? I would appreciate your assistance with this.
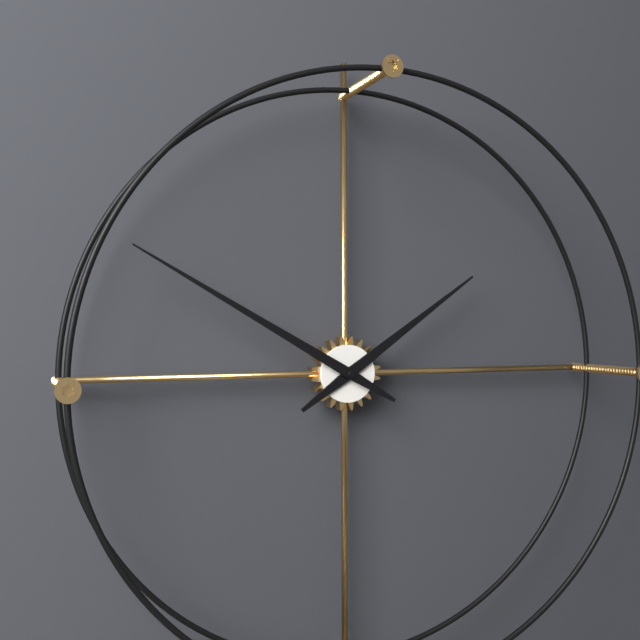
1:50
